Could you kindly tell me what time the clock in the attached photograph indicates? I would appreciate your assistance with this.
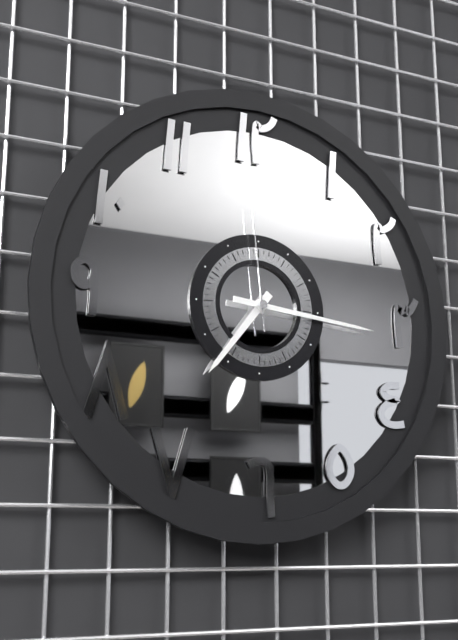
7:16:59
